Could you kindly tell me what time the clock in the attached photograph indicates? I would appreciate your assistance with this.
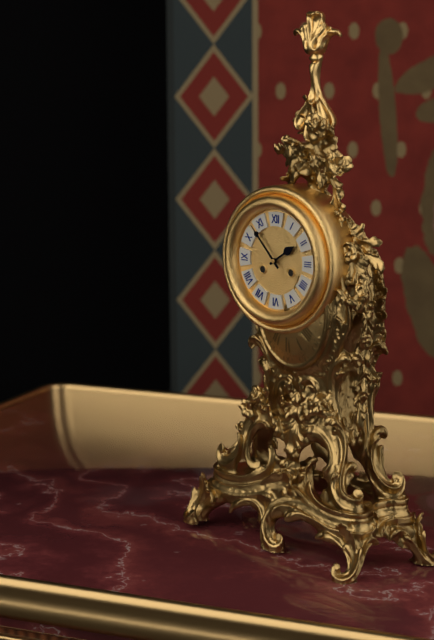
1:53
